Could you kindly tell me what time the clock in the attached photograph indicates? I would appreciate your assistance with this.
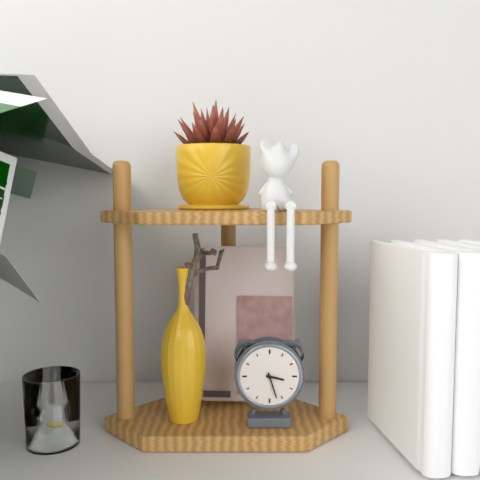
3:27
